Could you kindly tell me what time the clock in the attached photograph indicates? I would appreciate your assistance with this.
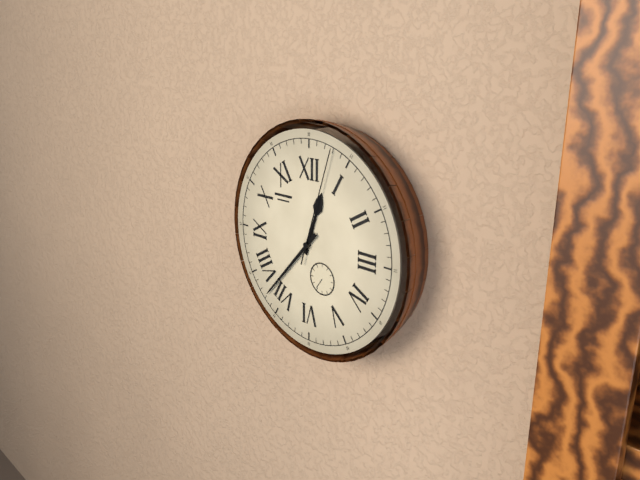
12:37:03
